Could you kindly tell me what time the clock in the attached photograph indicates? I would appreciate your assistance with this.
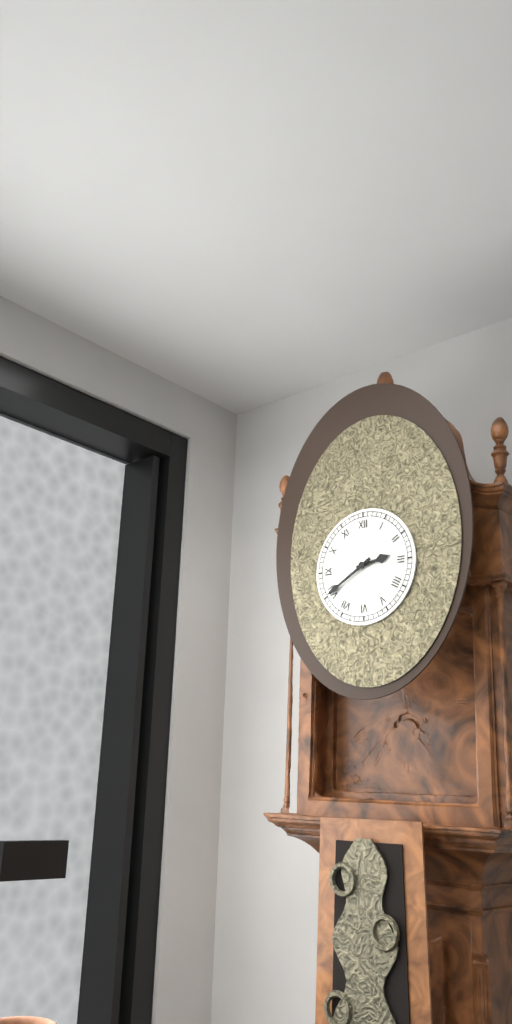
2:40
